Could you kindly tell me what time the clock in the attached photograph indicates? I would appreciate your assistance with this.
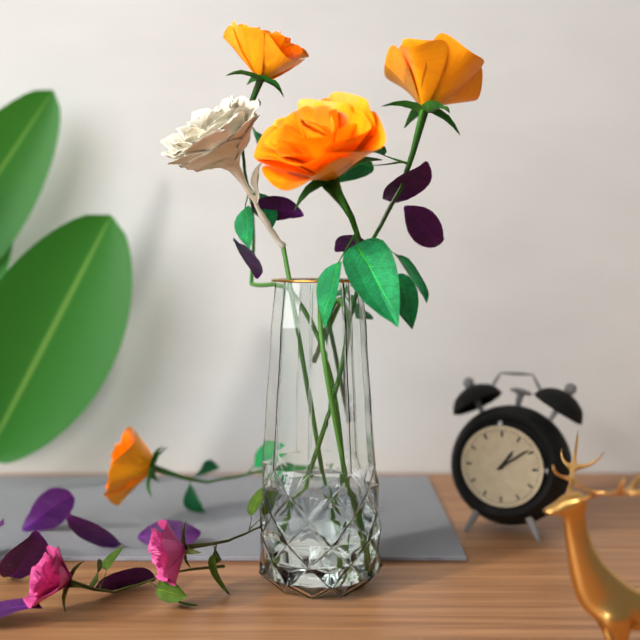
1:09
